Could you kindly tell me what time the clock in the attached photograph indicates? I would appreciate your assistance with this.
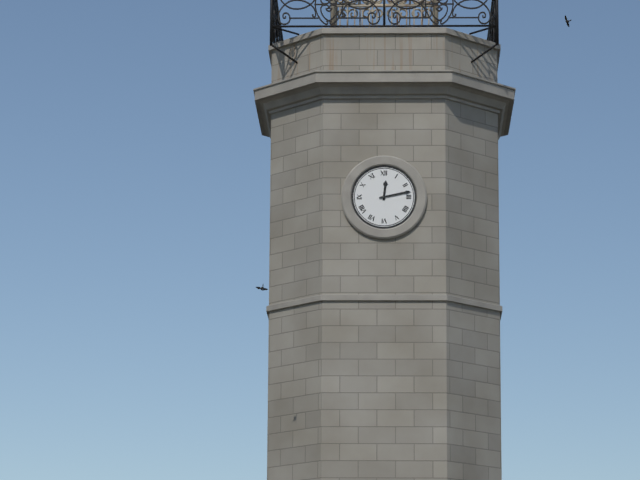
12:13
